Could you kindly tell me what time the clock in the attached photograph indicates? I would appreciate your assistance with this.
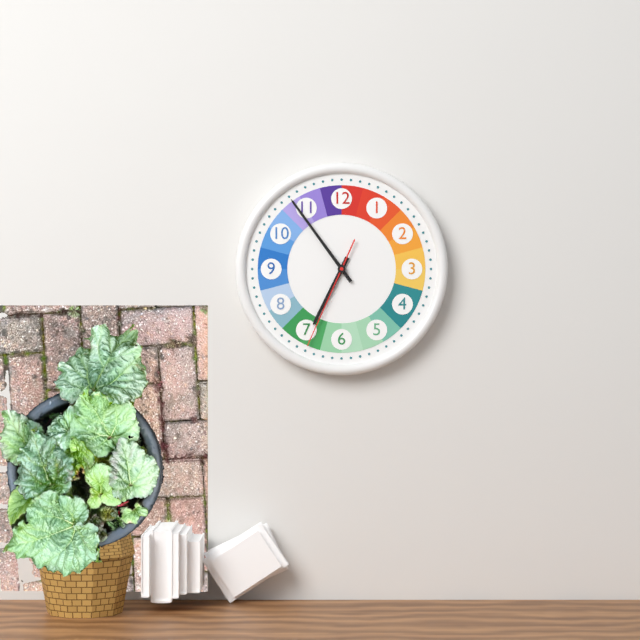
6:54:34
